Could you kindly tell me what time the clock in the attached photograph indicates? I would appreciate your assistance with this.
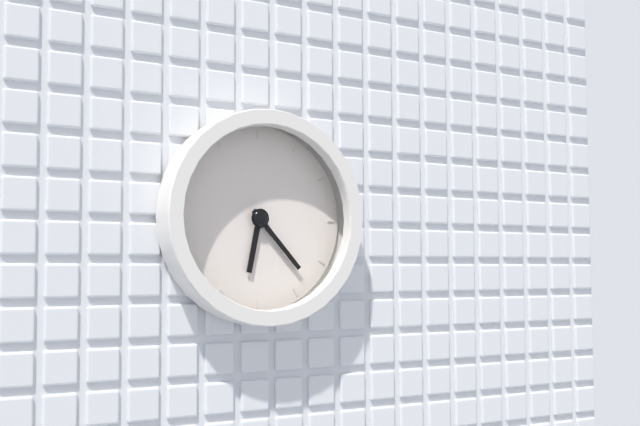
6:23
